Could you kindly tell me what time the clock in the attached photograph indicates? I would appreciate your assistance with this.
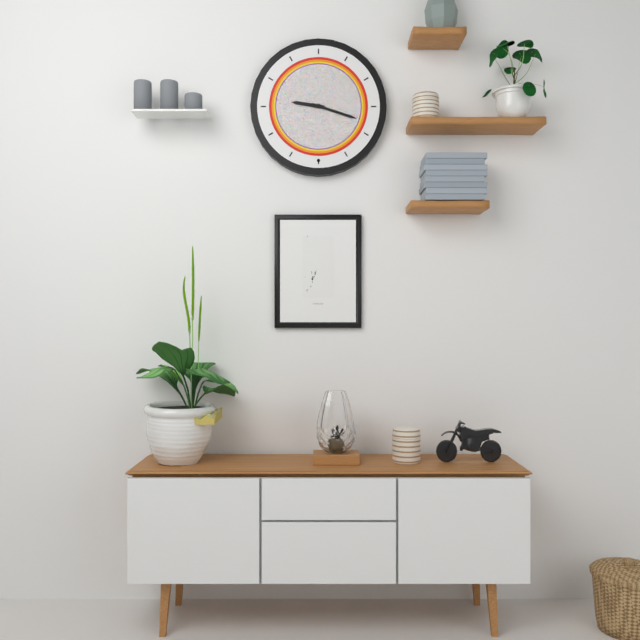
9:18
